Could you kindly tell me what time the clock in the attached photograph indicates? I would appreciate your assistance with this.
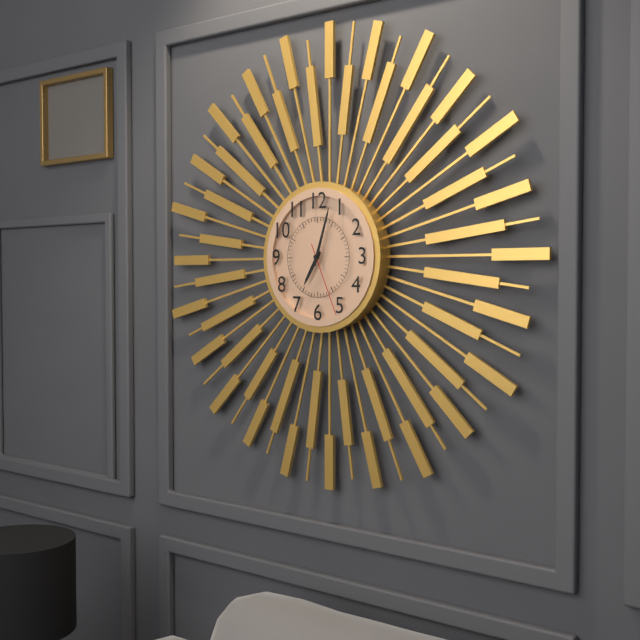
7:03:26
